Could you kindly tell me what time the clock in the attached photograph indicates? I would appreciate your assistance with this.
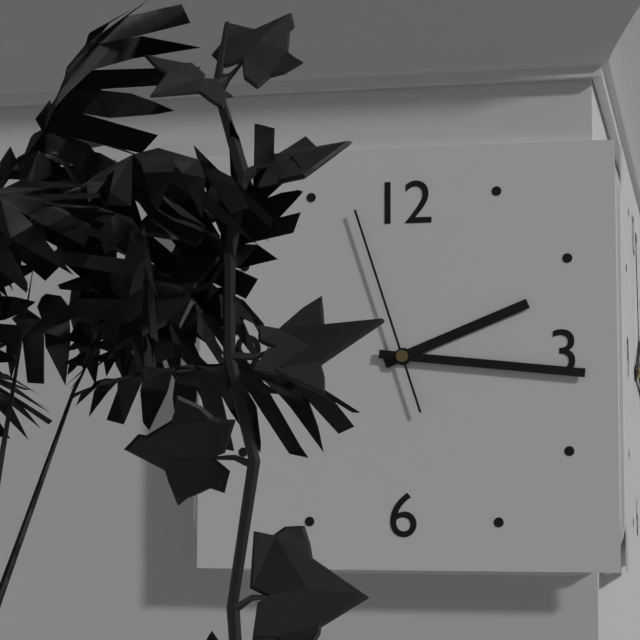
2:16:57
